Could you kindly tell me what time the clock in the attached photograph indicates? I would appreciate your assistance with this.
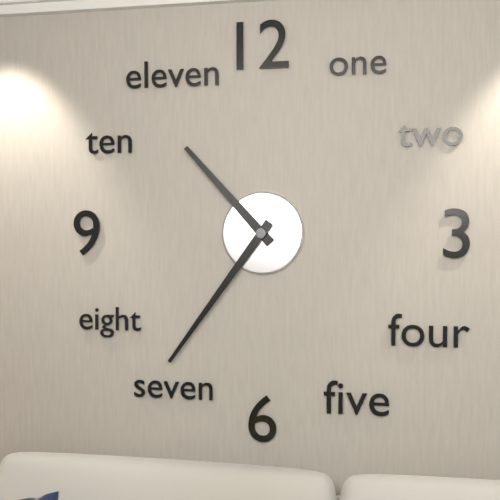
10:36
